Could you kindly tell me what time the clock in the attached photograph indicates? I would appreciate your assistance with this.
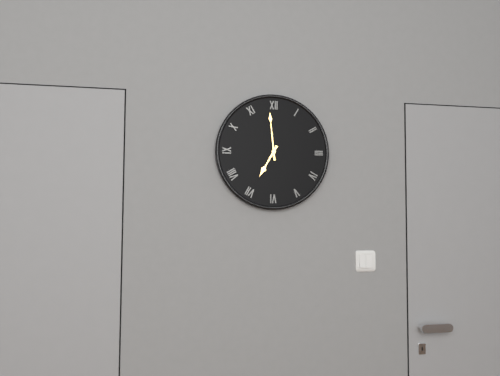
6:59
